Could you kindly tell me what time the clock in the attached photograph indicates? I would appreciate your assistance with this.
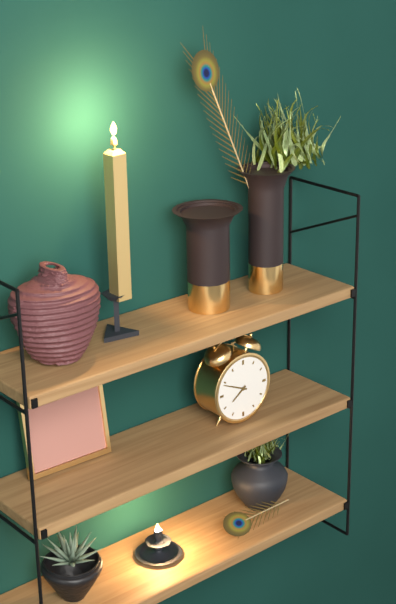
7:49
